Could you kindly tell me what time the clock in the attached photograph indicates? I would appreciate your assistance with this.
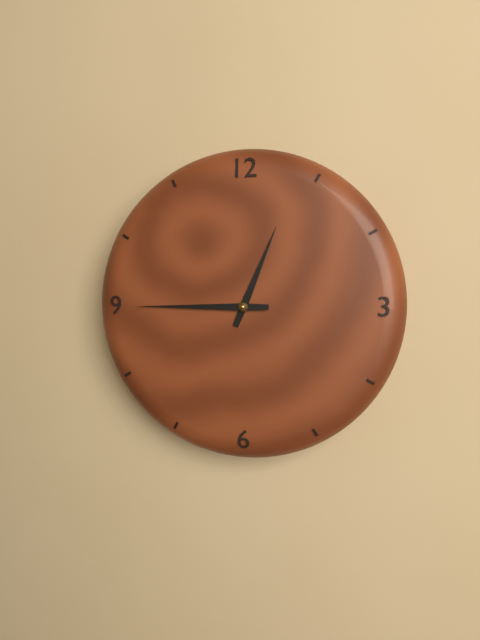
12:45
